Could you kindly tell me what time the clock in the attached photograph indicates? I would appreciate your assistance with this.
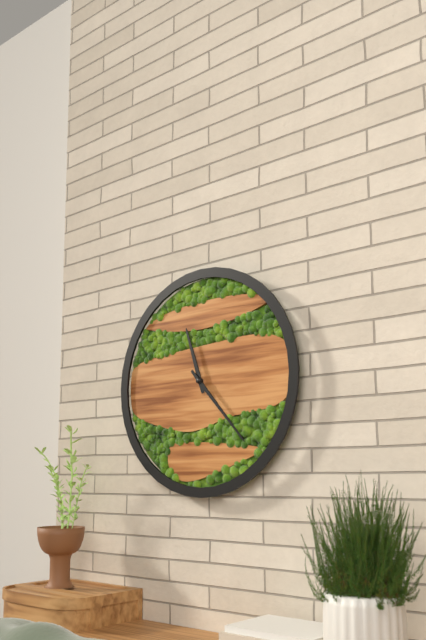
11:23
